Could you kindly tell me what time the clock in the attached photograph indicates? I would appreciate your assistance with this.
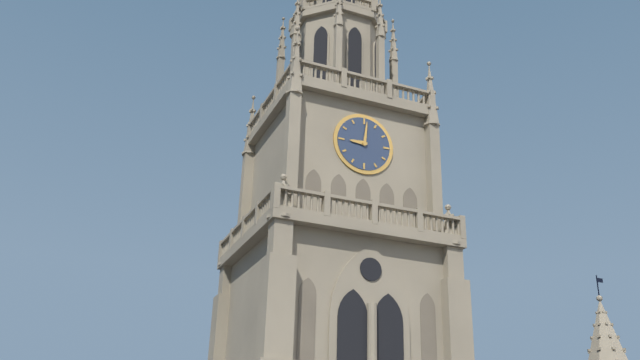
9:01
